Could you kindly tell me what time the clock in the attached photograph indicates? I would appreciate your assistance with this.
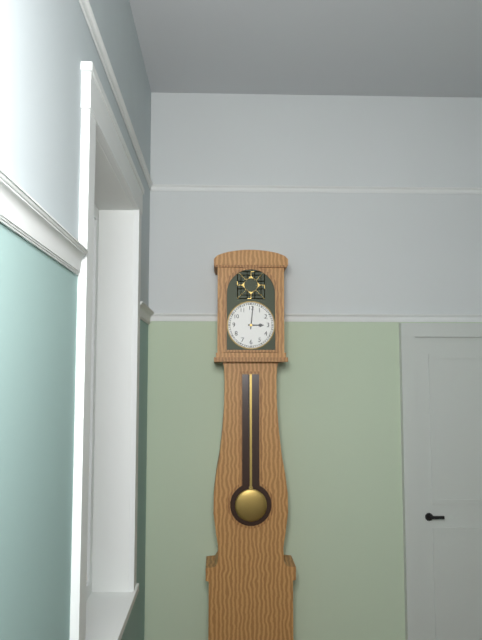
3:01
